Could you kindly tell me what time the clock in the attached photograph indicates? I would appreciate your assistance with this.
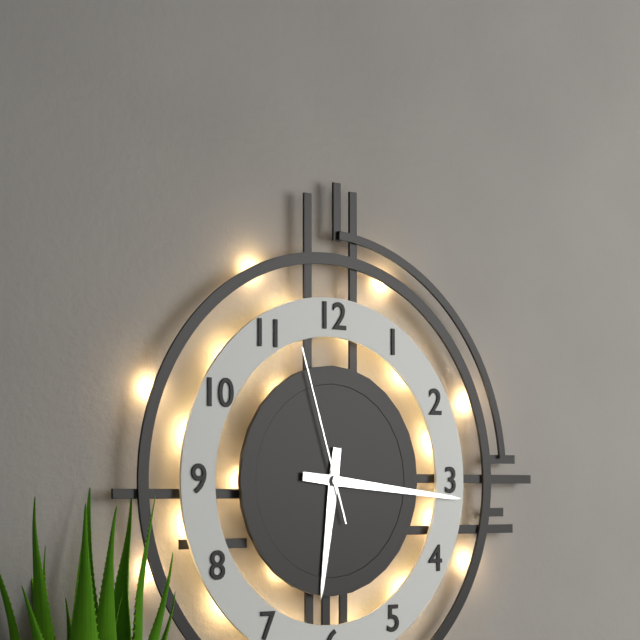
6:16:57
